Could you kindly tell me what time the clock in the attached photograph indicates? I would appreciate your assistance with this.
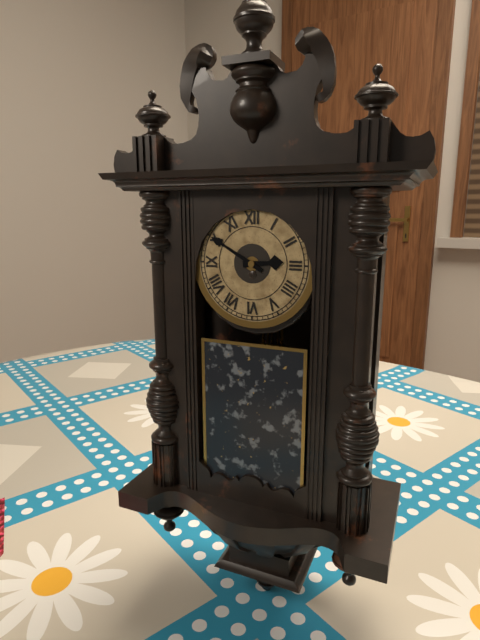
2:50
